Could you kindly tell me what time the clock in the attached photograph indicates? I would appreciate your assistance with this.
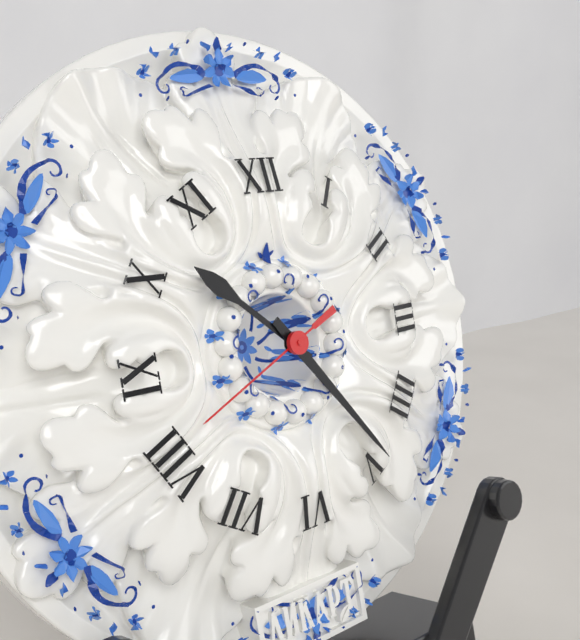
10:24:41
